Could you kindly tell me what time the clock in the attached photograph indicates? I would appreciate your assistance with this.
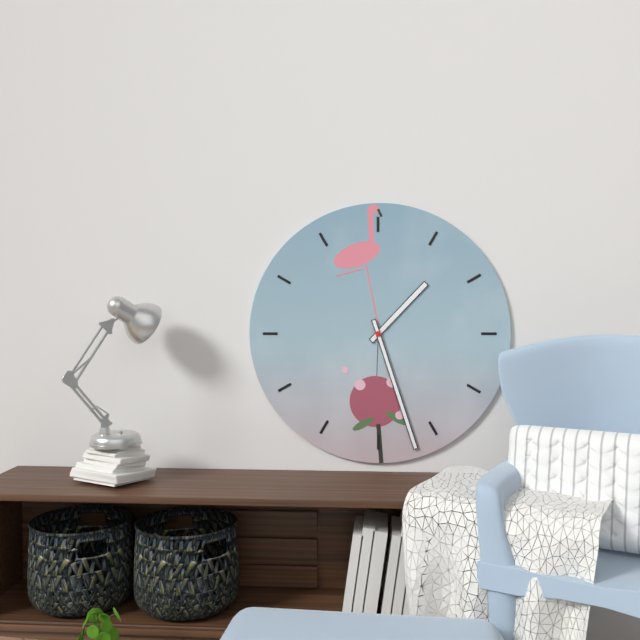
1:27
